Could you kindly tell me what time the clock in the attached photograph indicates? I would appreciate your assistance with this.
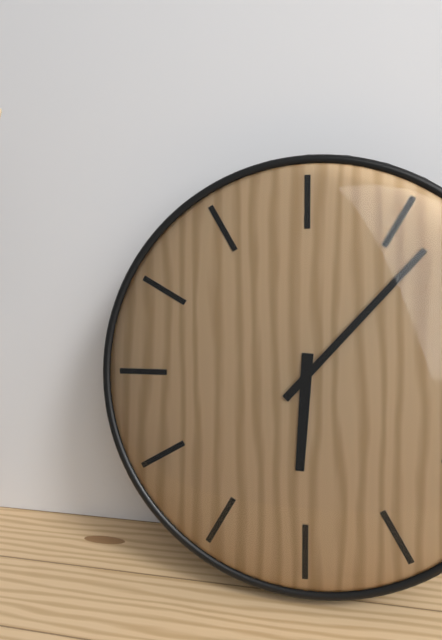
6:07
